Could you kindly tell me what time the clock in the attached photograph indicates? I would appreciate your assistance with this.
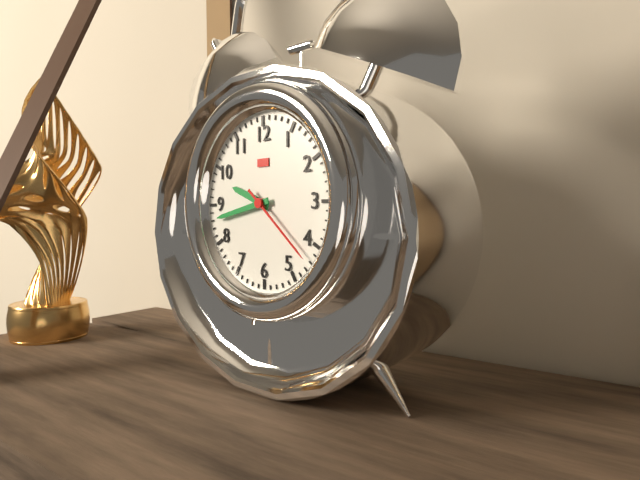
9:43:22
